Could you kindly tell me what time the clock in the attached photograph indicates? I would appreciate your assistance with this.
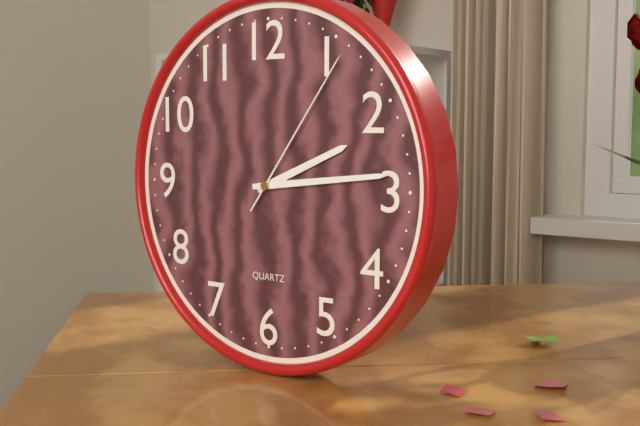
2:14:06
